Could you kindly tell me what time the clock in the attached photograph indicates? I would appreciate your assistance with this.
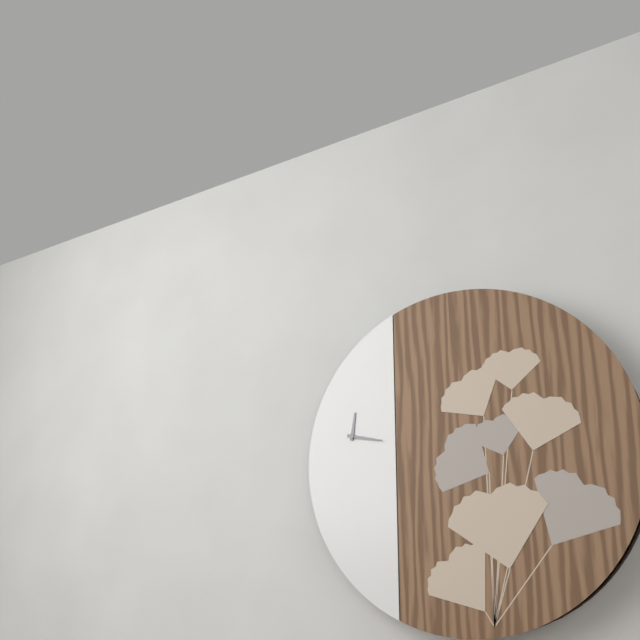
12:17
